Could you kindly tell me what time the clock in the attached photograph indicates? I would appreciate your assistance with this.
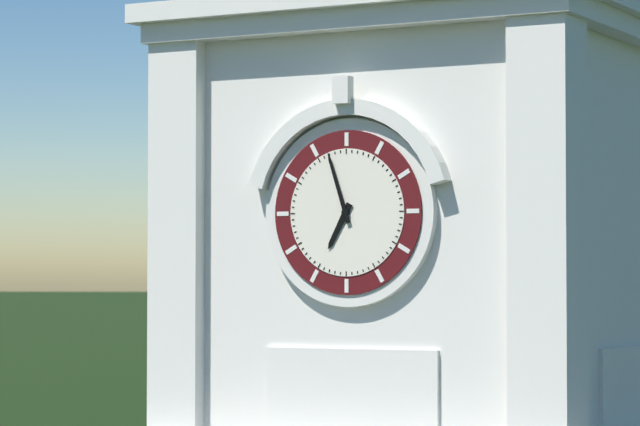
6:57
